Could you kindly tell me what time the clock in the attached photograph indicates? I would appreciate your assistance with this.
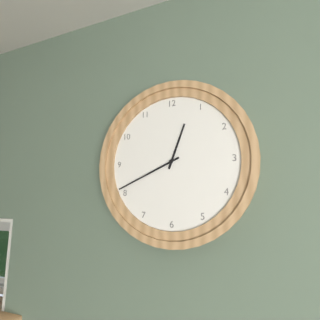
12:41
